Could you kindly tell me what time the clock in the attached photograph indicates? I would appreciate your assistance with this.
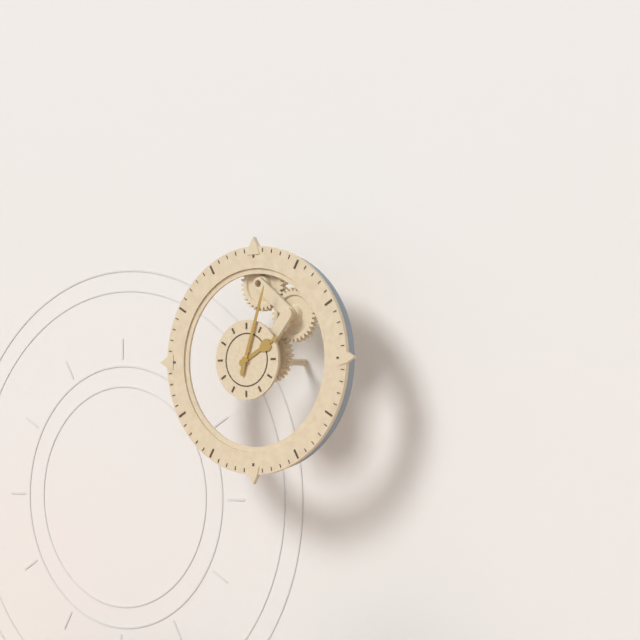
2:03
